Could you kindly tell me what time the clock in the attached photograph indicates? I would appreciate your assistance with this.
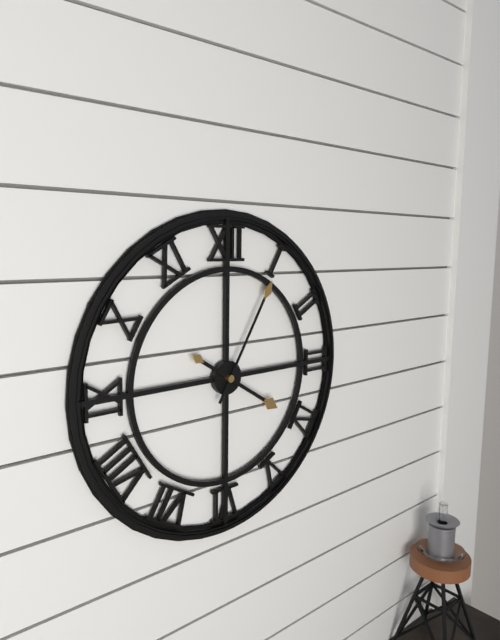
4:05
